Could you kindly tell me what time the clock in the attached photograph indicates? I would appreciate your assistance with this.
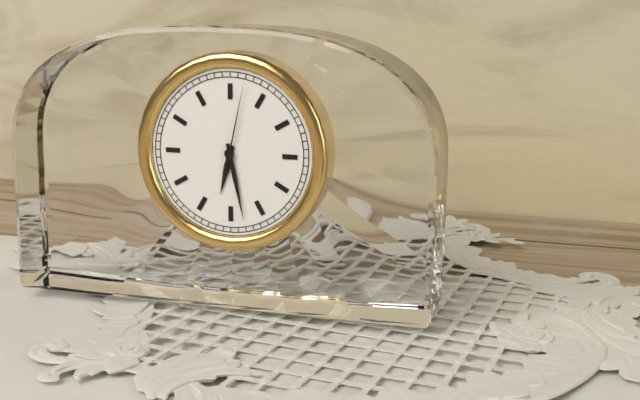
6:28:02
